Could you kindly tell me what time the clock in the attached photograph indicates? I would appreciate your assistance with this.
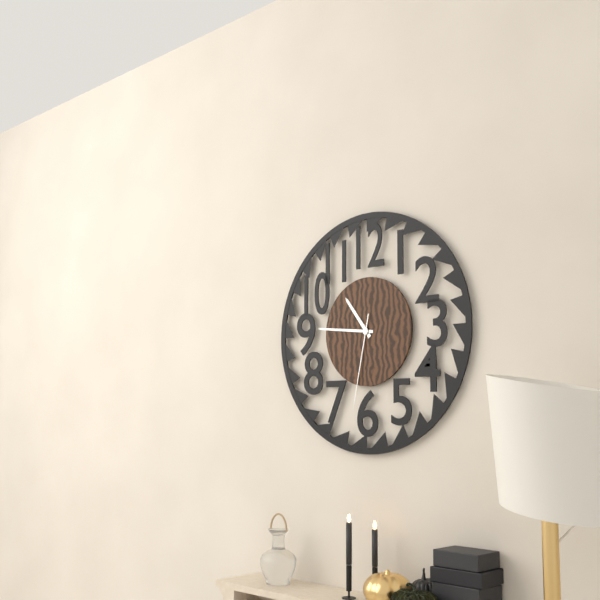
10:46:32
